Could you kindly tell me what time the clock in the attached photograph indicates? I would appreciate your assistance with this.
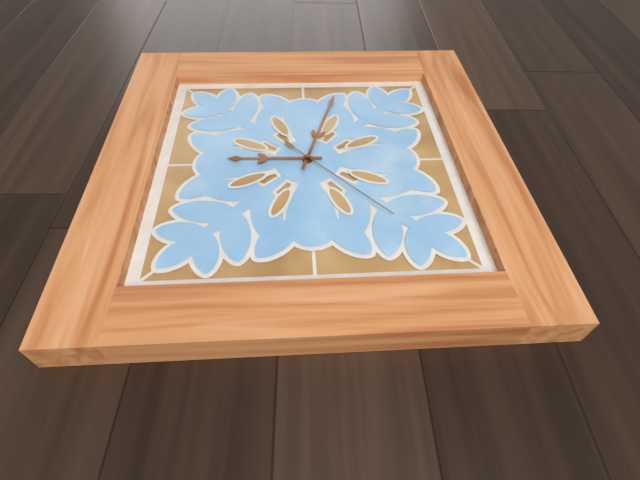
9:03:23
